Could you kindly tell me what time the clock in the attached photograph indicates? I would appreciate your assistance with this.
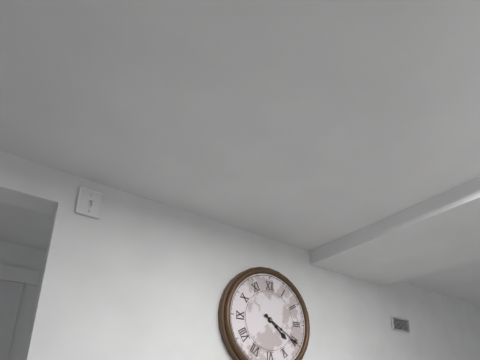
4:20
